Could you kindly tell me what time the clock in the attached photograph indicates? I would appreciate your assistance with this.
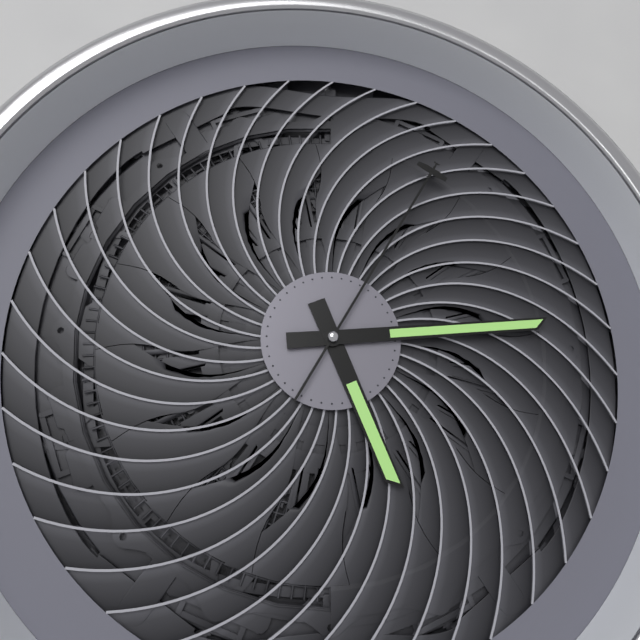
5:14:05
